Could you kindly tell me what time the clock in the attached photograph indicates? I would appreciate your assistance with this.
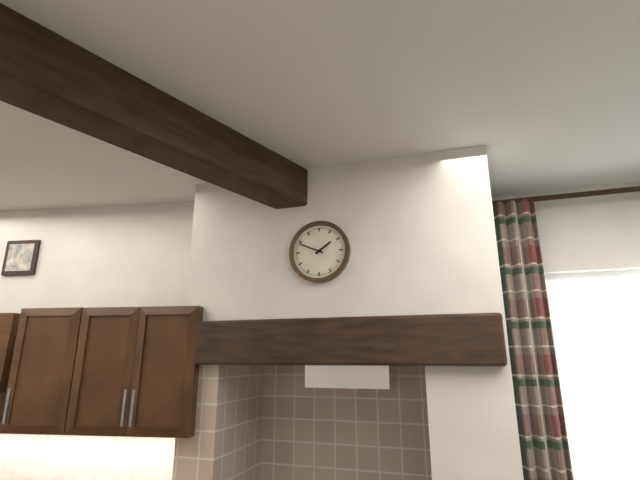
1:49
